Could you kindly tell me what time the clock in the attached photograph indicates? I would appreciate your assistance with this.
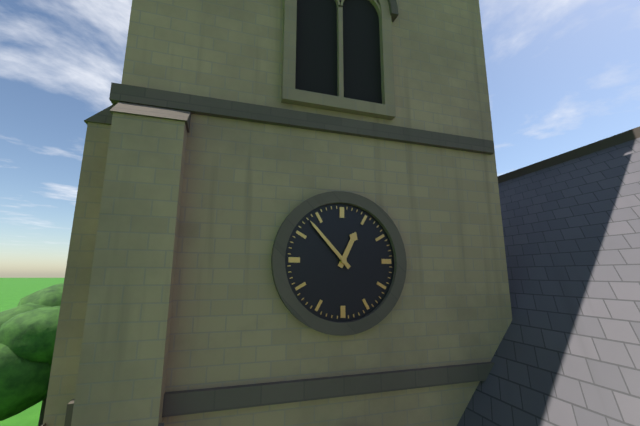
12:53
